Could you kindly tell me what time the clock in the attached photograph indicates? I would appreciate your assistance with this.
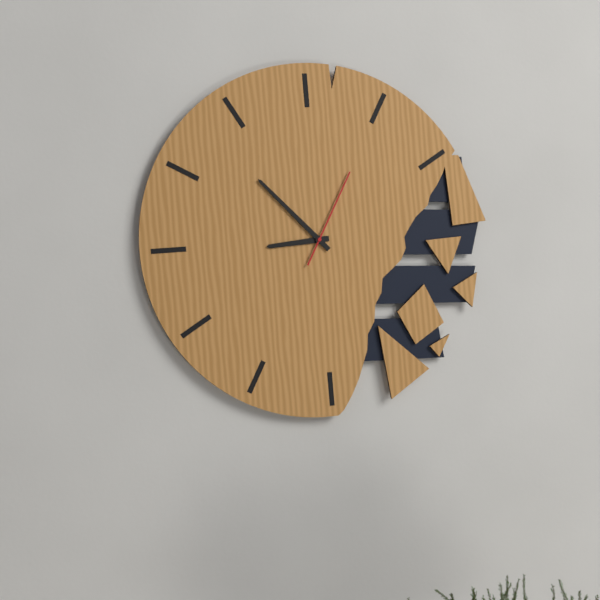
8:53:05
